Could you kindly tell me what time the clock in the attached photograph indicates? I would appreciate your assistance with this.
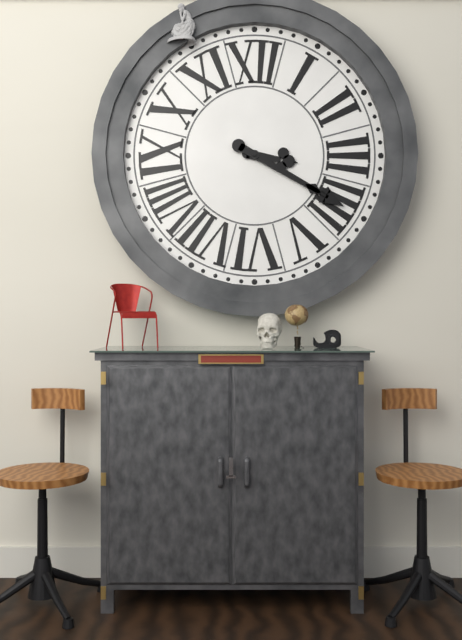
3:20
